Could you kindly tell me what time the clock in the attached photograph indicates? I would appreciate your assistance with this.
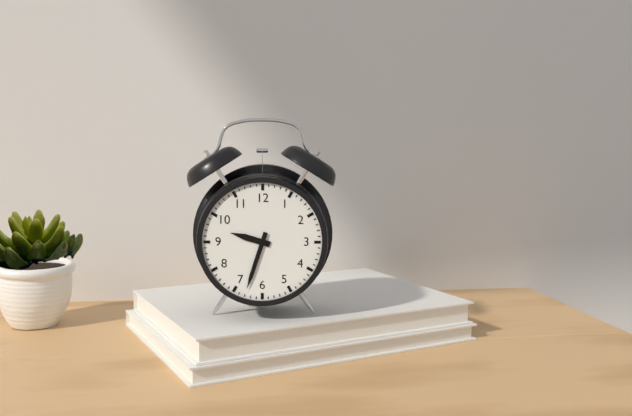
9:33
